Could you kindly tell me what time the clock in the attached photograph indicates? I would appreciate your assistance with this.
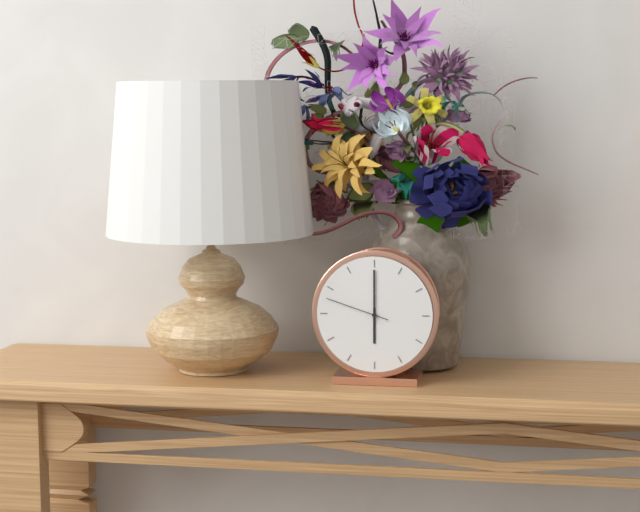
6:00:48
